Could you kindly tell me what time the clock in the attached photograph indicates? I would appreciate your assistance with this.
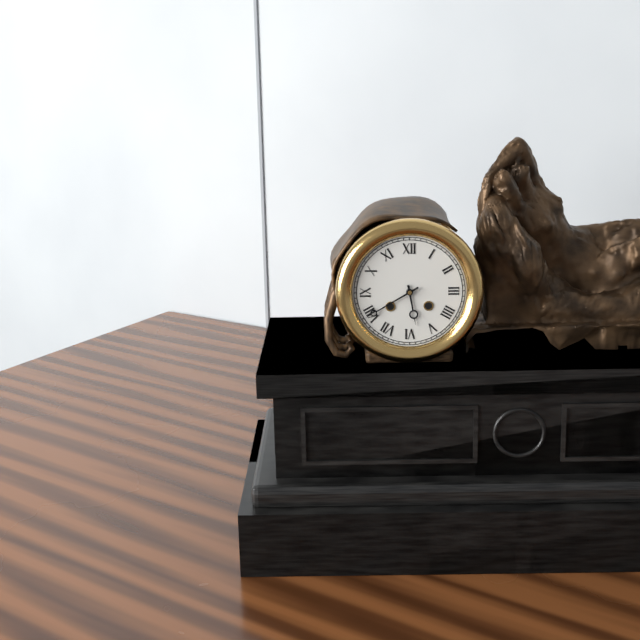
5:40
